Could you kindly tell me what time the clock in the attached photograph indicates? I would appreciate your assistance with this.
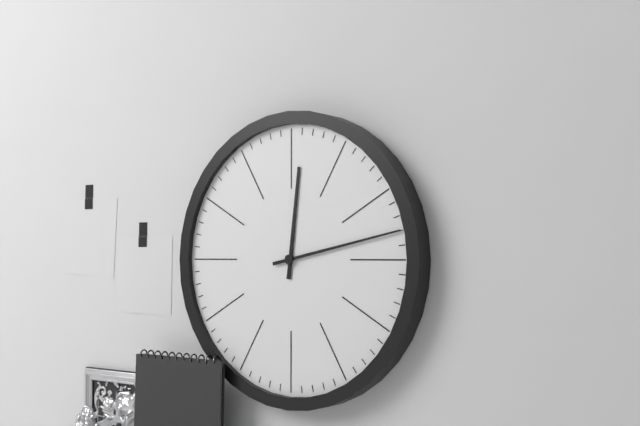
12:13
